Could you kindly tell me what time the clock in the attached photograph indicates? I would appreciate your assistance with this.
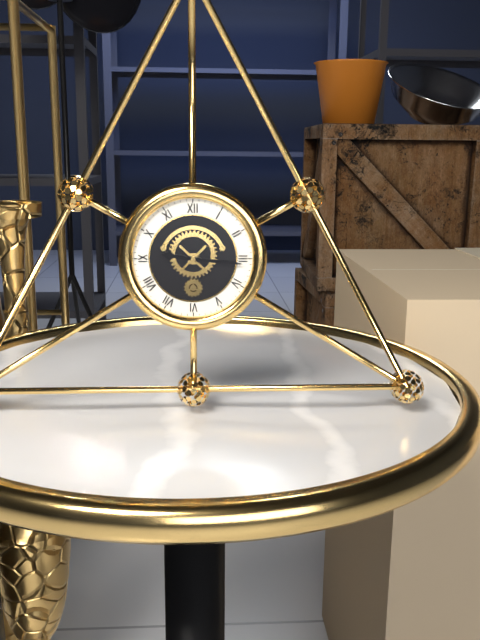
9:16
